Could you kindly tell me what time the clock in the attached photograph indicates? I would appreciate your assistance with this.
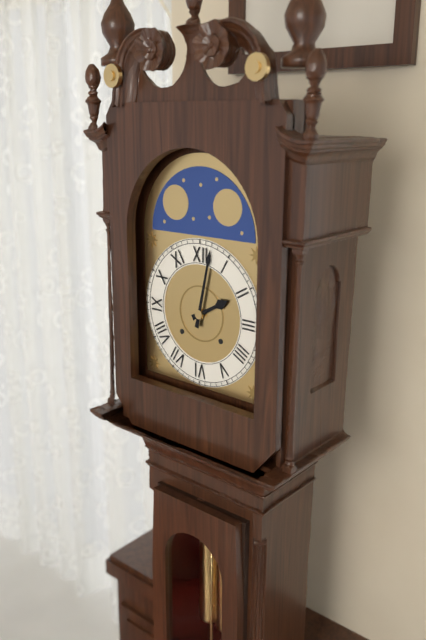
2:02
